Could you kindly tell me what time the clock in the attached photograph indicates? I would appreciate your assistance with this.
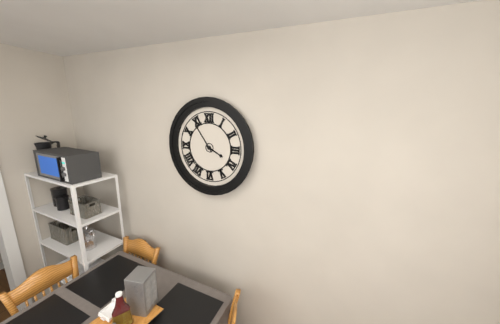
3:54
